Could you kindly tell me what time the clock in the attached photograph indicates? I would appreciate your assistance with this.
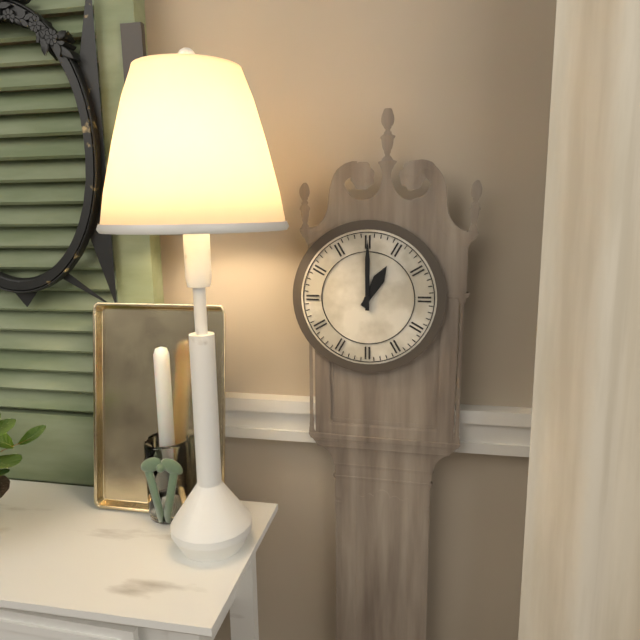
1:00
